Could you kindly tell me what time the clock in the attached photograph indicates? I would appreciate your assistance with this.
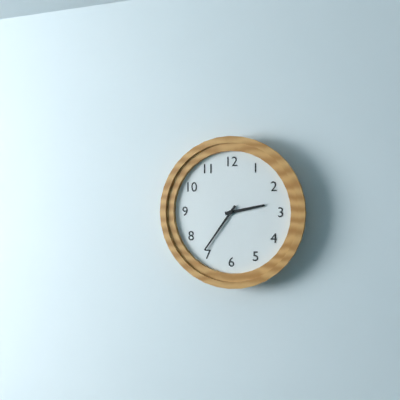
2:36
